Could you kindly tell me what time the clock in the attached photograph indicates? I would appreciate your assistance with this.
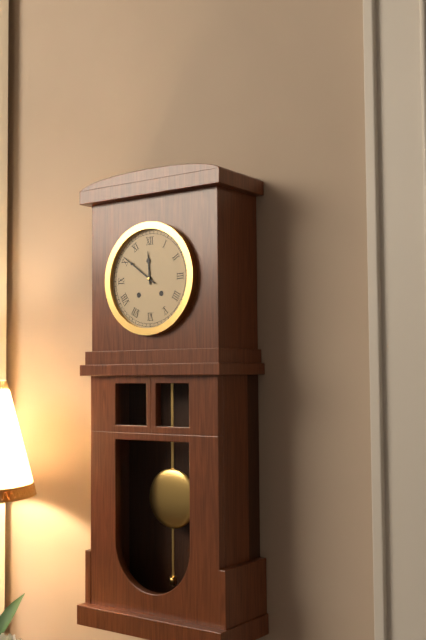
11:51
